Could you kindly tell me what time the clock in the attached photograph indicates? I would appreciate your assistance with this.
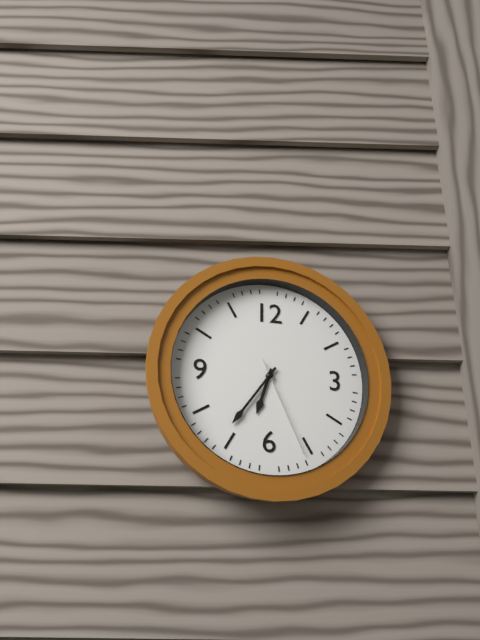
6:36:26
